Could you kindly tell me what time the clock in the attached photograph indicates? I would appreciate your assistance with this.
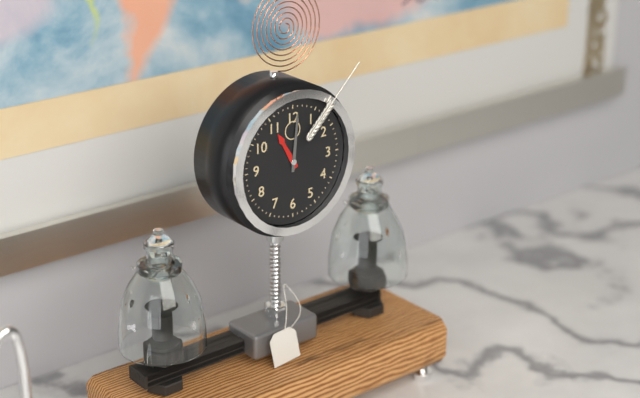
11:01
